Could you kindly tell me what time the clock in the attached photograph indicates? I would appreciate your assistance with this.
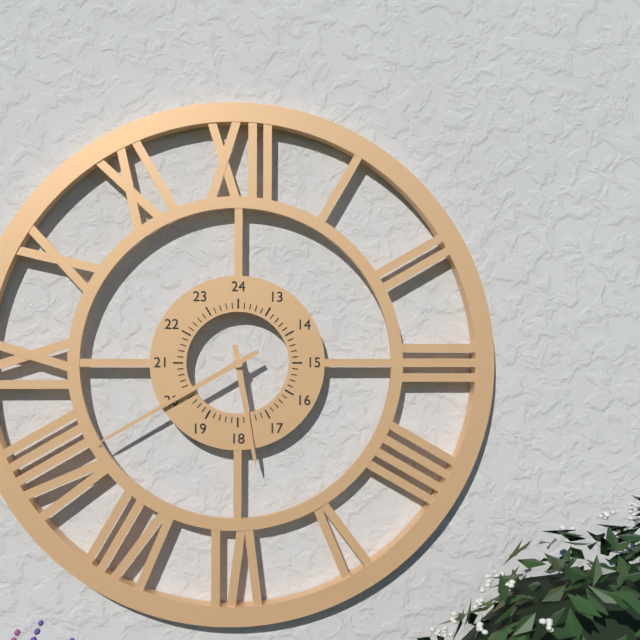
5:40
